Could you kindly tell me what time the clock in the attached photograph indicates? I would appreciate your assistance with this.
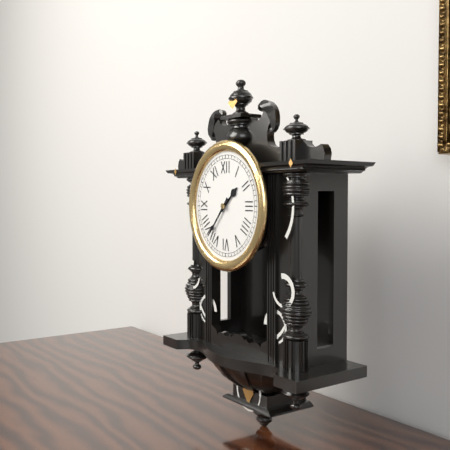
1:37
